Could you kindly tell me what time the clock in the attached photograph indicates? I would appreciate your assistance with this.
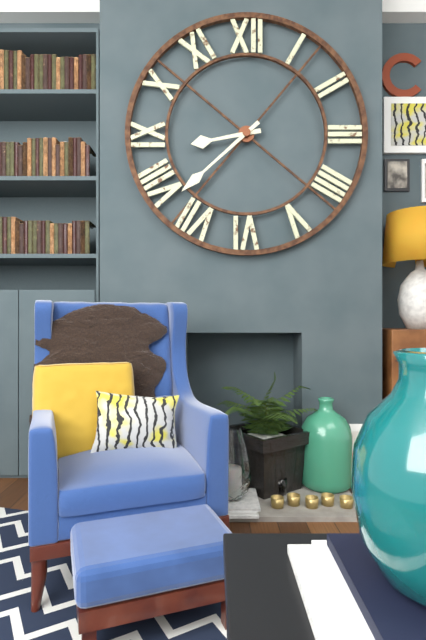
8:38
